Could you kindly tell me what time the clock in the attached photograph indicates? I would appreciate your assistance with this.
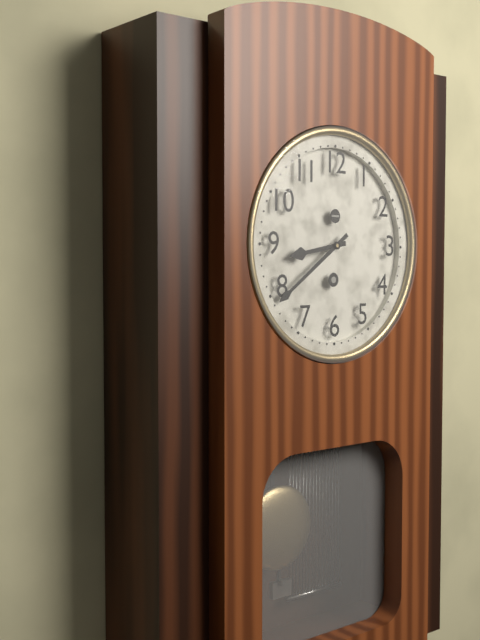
8:39
